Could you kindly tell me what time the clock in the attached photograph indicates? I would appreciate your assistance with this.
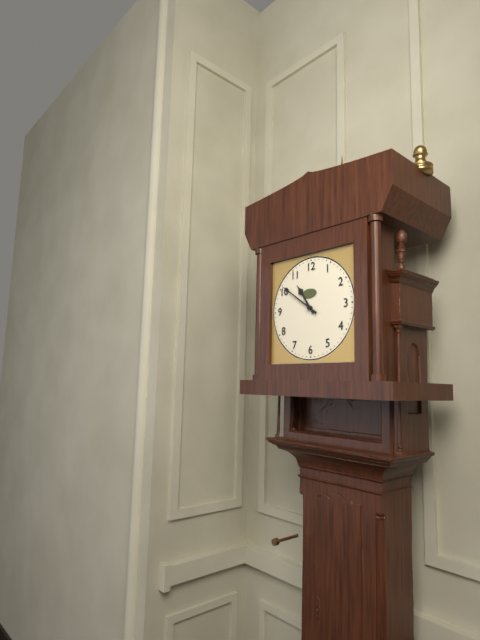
10:51
